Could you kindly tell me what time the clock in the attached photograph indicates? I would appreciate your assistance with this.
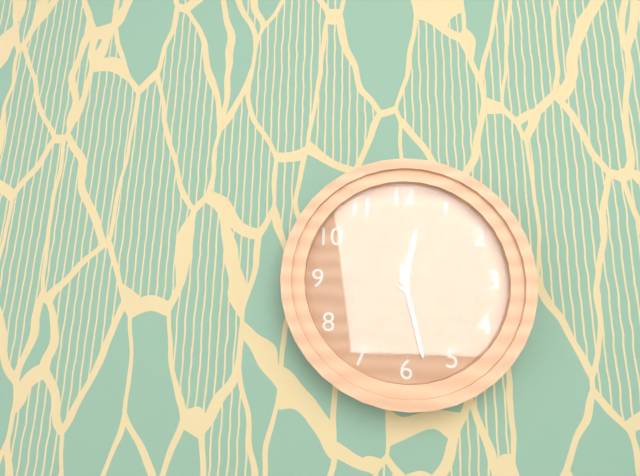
12:28
